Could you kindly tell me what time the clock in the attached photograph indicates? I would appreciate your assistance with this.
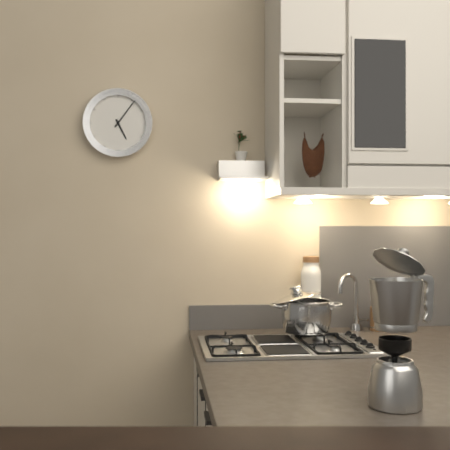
5:06
